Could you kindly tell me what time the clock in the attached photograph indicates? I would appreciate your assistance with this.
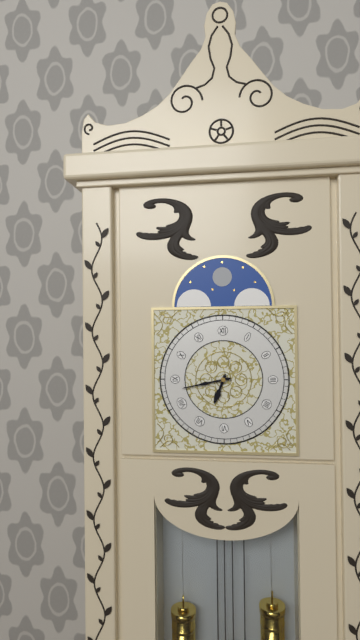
6:43
